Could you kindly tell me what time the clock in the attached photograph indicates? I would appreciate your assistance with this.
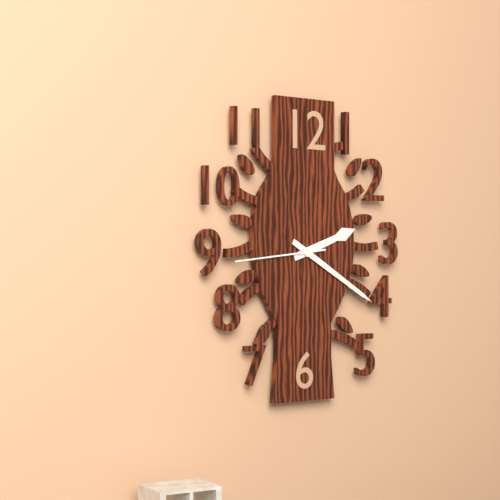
2:20:44
